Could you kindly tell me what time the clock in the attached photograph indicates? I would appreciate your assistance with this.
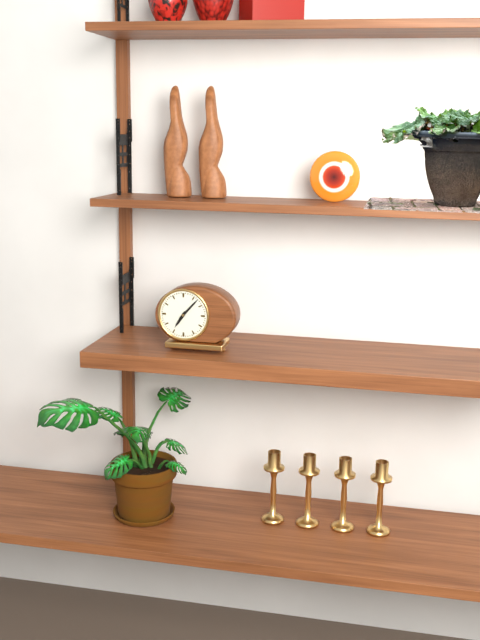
7:07
